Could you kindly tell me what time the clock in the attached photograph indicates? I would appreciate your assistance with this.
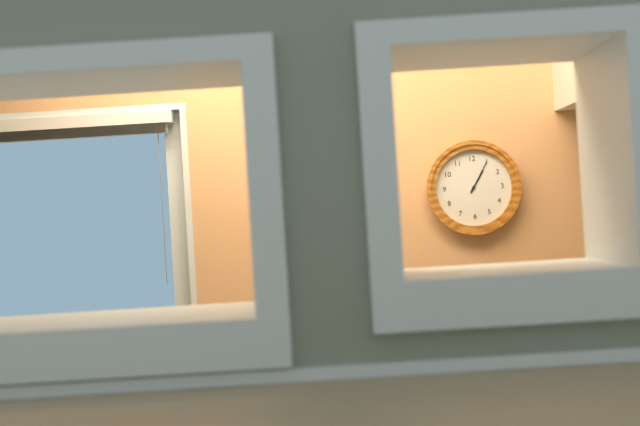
1:05
